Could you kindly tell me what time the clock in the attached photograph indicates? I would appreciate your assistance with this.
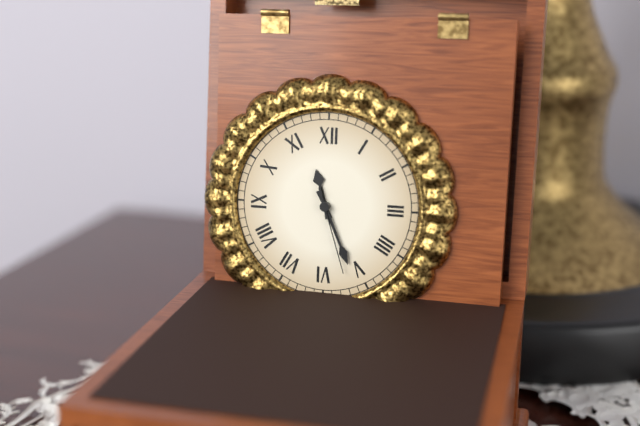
11:26:27
